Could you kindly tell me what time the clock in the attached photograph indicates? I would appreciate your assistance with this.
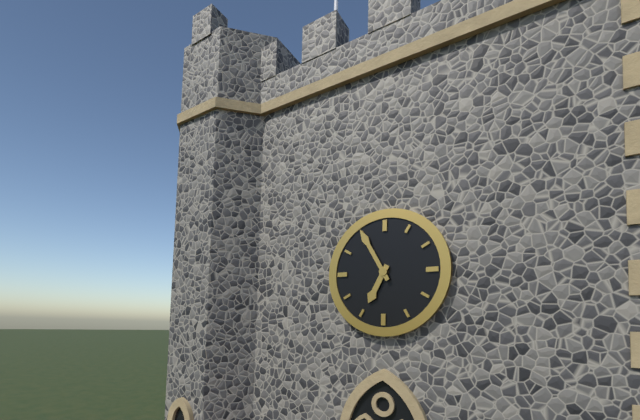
6:55
